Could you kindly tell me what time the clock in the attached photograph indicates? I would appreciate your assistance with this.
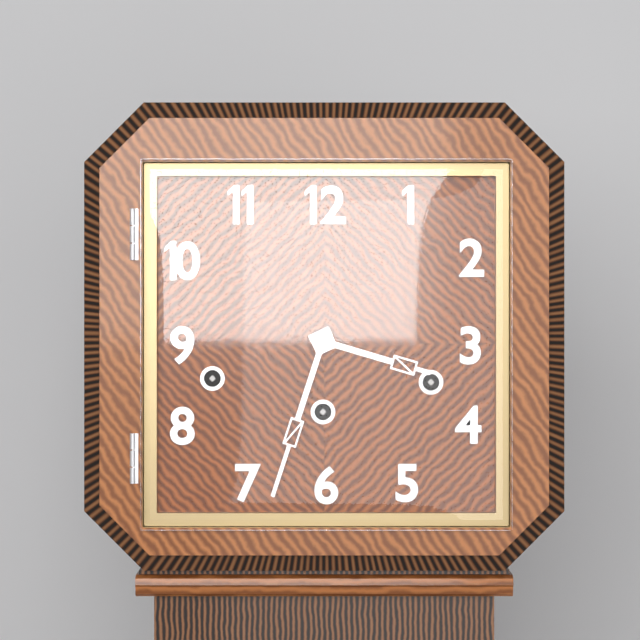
3:33
